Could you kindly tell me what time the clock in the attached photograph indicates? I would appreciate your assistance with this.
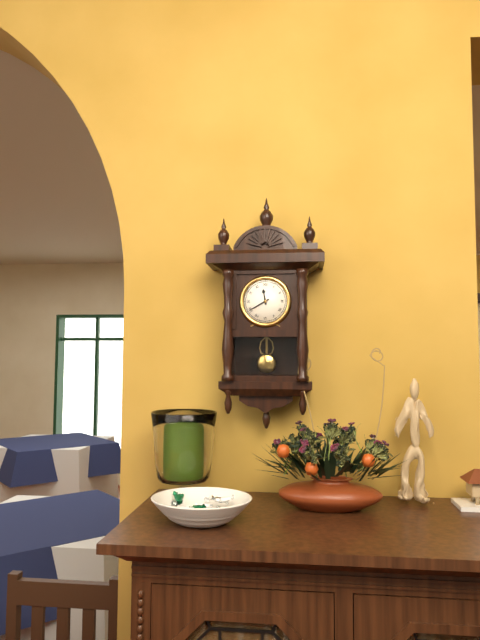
11:40
